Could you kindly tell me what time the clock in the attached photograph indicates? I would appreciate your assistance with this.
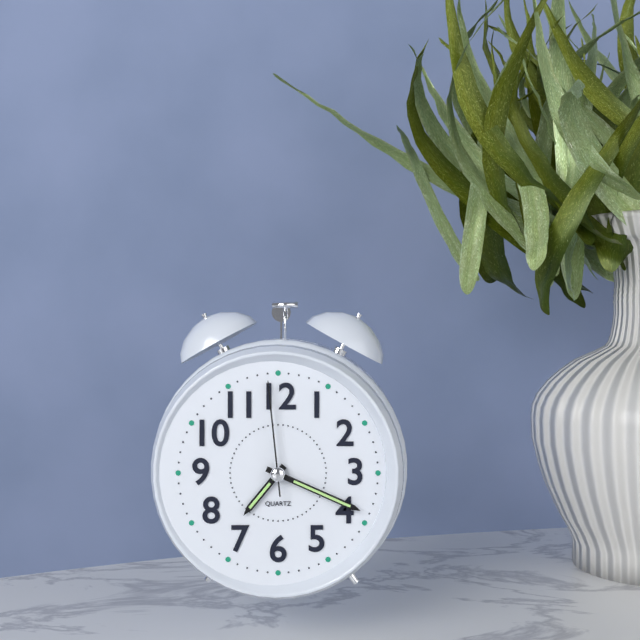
7:19:59
